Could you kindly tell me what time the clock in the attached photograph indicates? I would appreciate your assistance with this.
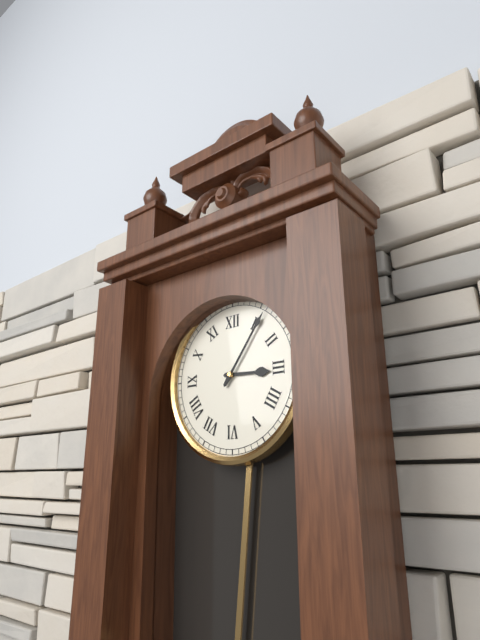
3:06
